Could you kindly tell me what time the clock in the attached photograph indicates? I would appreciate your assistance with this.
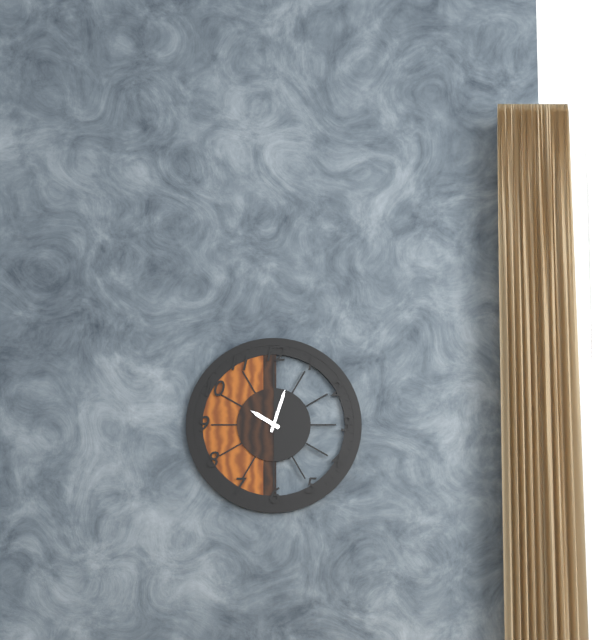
10:03
